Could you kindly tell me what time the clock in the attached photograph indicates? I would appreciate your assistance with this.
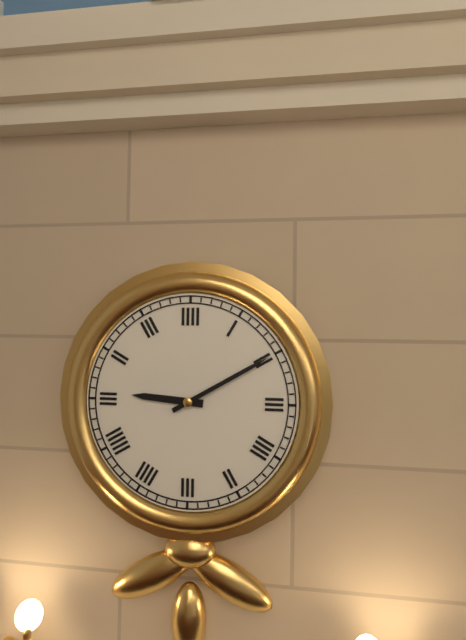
9:10
